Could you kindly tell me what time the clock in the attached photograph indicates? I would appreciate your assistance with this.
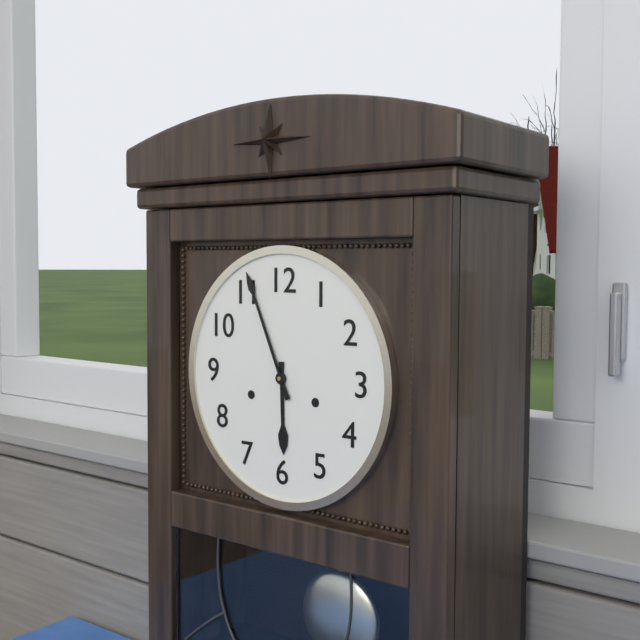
5:56
